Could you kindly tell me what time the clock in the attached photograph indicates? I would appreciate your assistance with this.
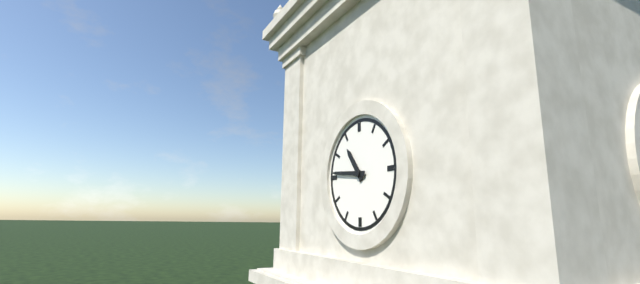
10:46
